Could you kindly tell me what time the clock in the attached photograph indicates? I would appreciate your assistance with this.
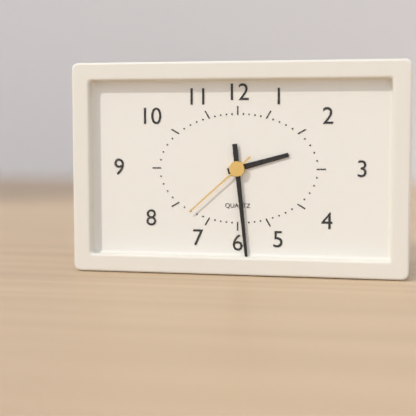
2:29:38
